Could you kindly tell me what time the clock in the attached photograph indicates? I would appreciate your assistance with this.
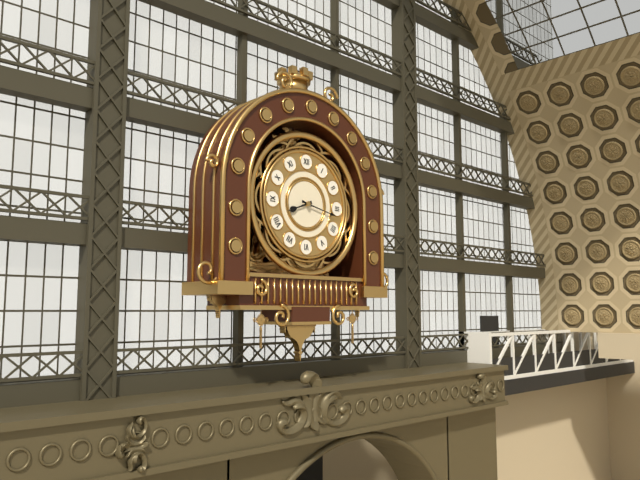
8:17
